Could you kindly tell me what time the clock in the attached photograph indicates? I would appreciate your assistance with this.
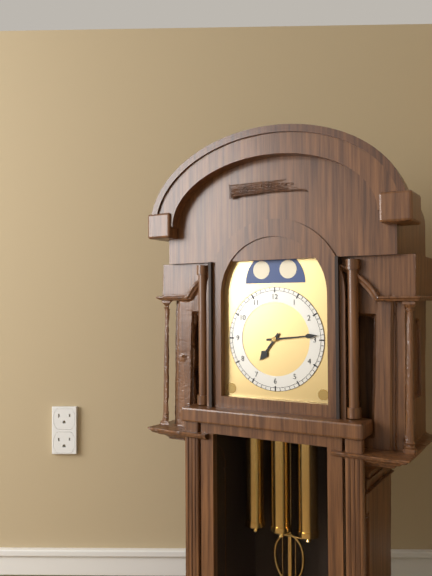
7:14
